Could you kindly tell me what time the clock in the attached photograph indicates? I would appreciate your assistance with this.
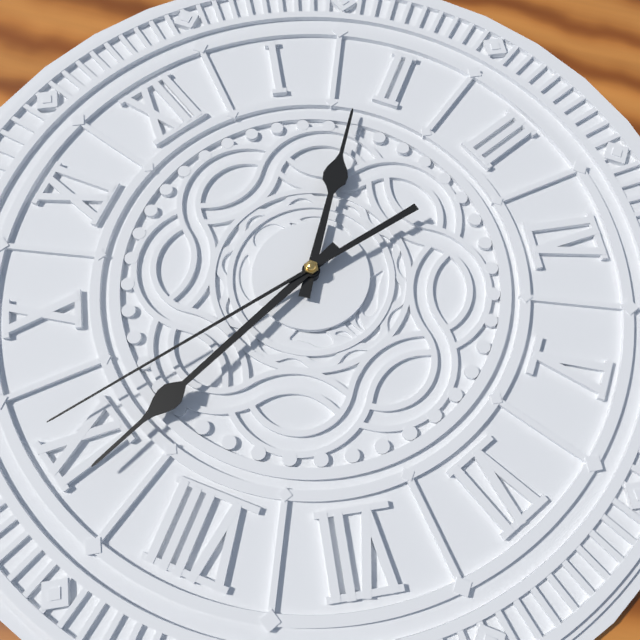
1:44:46
